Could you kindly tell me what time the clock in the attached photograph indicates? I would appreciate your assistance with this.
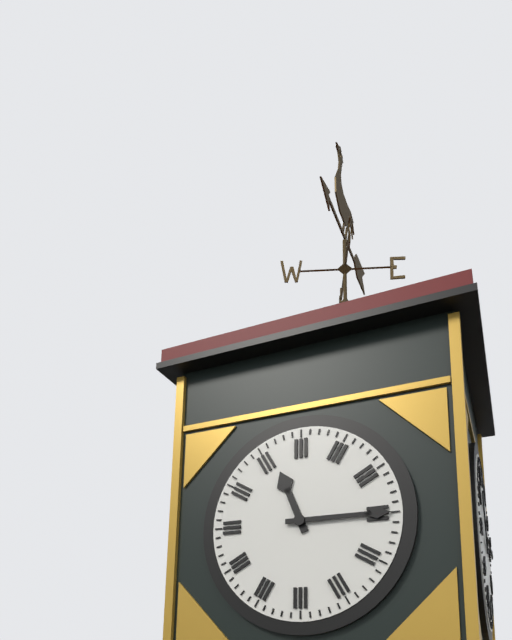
11:15
